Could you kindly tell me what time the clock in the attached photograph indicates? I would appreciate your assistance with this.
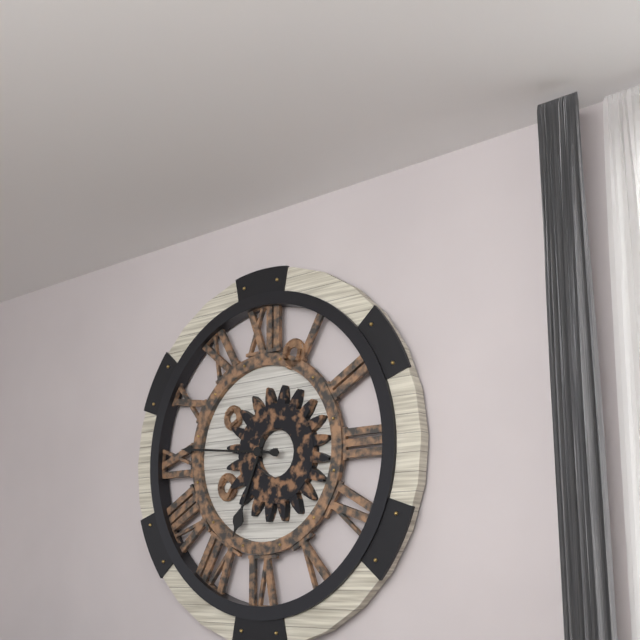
6:46
